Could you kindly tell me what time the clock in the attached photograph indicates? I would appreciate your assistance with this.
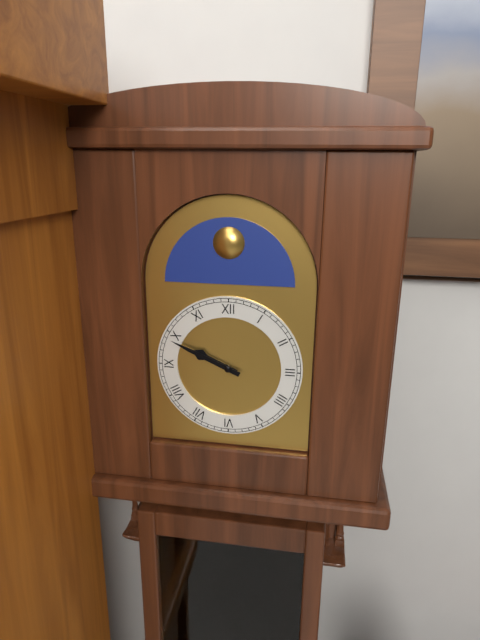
9:49
